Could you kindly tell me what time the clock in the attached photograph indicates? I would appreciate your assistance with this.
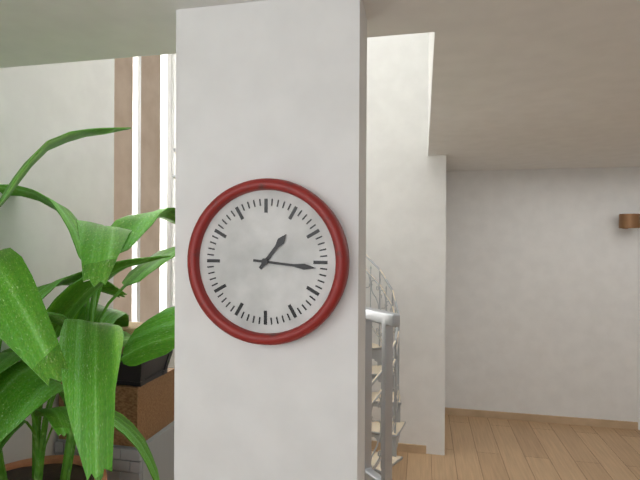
1:16
